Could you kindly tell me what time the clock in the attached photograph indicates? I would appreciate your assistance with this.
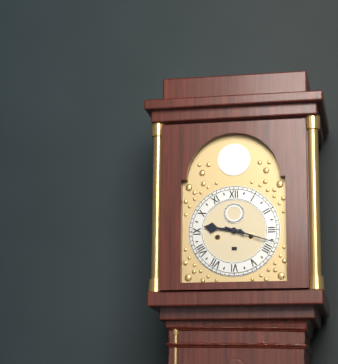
9:18
